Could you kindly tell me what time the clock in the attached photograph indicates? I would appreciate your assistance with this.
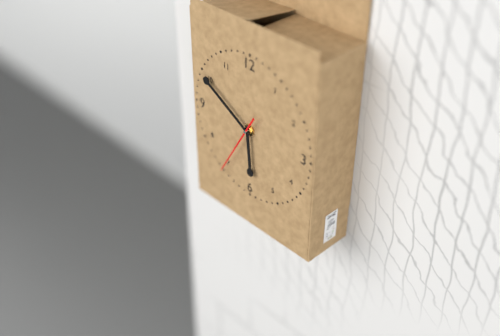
5:50:35
